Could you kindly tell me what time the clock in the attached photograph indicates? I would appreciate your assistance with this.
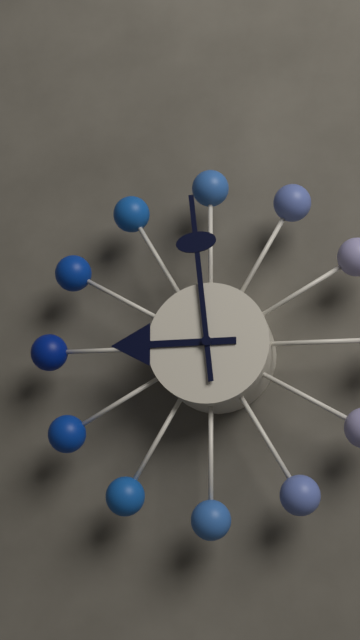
8:59
